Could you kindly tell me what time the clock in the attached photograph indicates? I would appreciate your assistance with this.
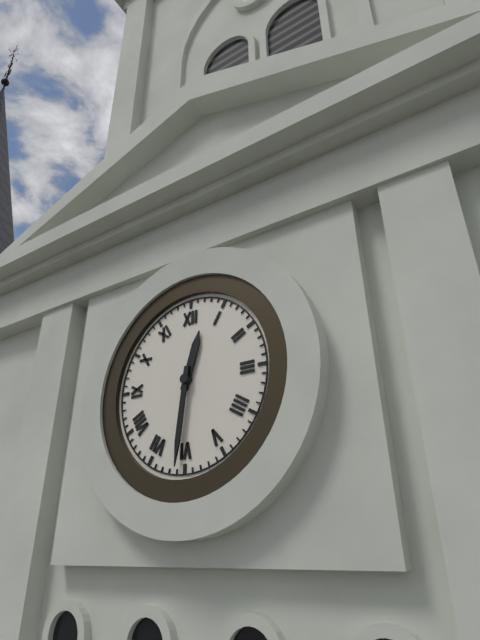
12:31
